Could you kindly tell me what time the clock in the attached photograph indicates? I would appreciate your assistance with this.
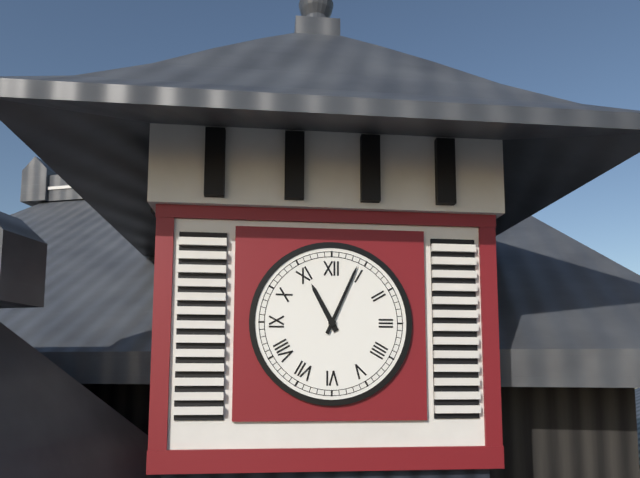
11:04
